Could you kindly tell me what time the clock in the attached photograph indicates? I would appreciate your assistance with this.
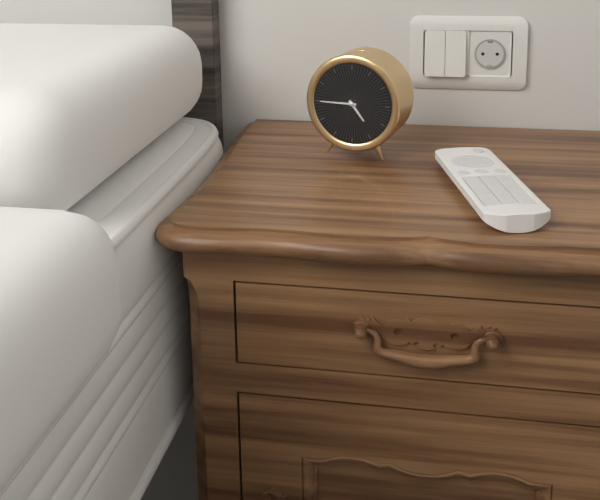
4:45
